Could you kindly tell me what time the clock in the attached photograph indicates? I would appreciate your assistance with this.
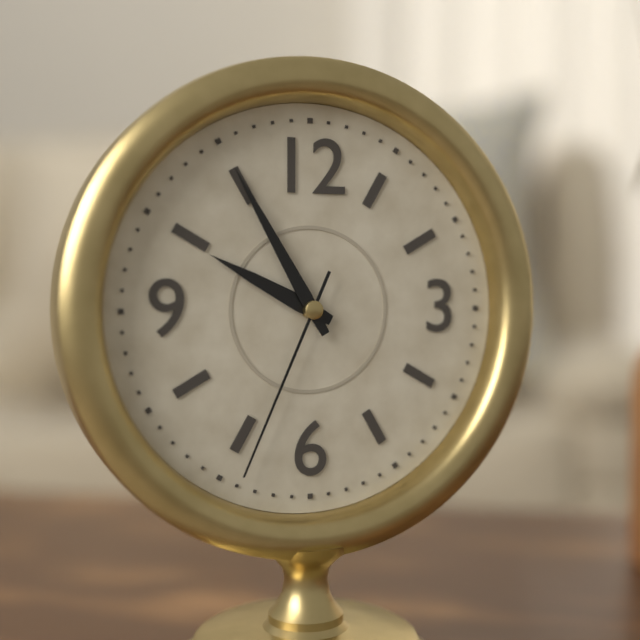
9:55:34
